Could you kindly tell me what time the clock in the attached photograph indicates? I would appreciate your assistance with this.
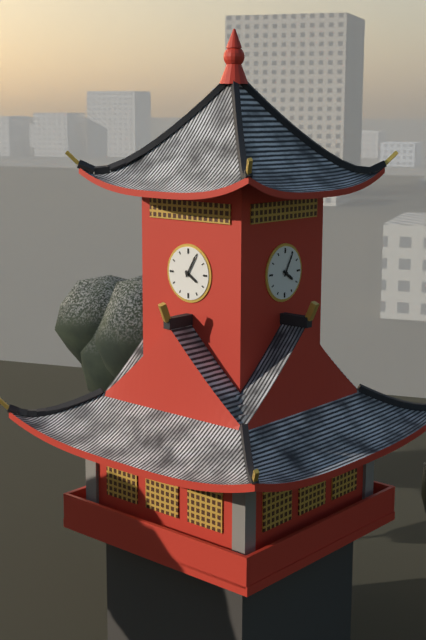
4:05
